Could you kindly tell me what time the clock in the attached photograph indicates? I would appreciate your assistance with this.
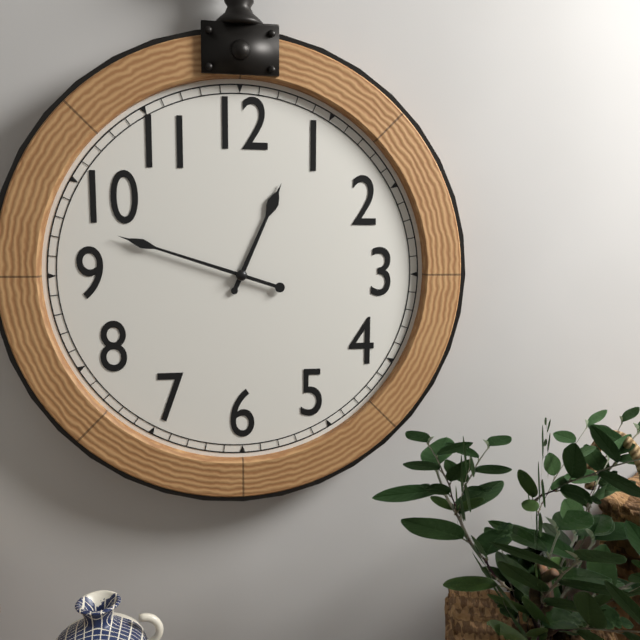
12:48
